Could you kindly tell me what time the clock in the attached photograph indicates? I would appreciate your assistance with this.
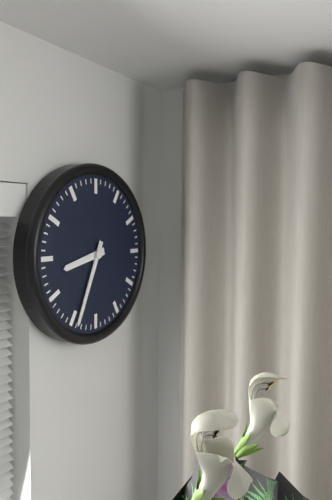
8:34
